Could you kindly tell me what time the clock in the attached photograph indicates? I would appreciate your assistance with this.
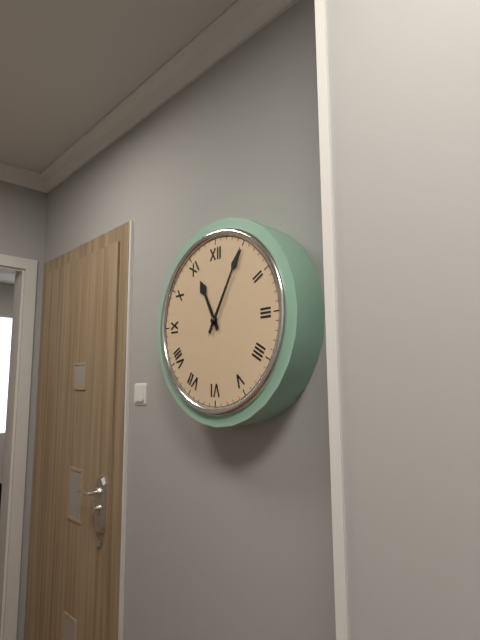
11:05
